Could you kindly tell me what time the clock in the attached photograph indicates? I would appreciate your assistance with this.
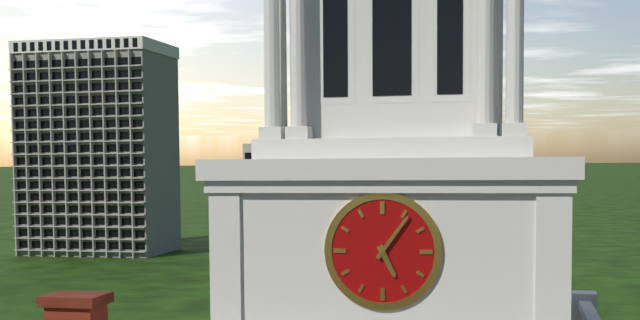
5:06
